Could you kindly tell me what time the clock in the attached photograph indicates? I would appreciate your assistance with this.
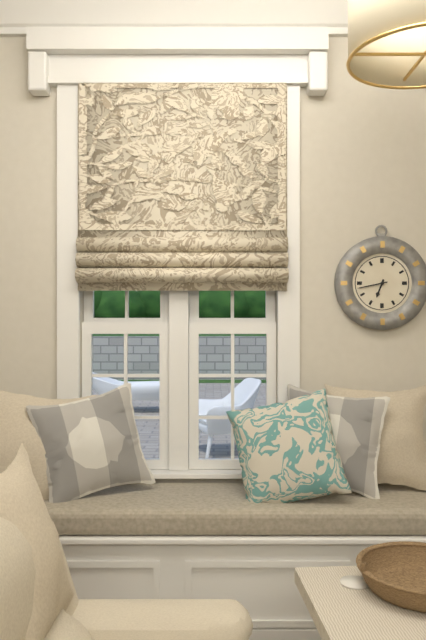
6:43
